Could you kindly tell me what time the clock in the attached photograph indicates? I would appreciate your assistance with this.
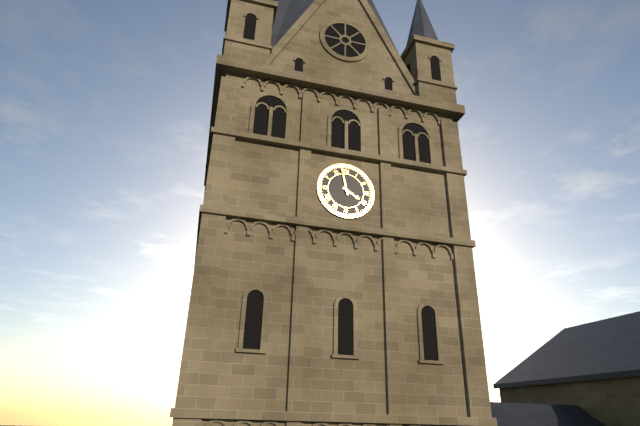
3:58
